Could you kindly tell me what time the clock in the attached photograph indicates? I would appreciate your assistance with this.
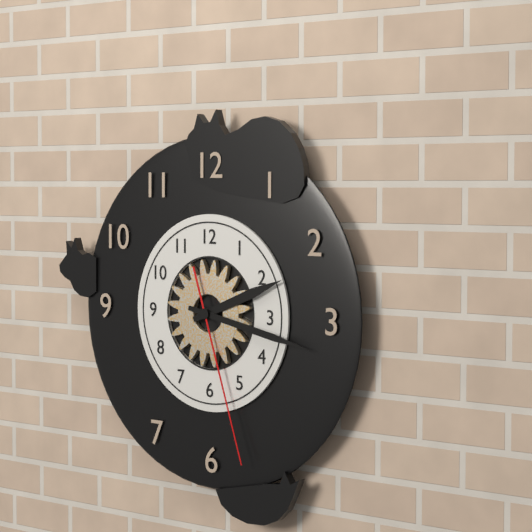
2:17:27
